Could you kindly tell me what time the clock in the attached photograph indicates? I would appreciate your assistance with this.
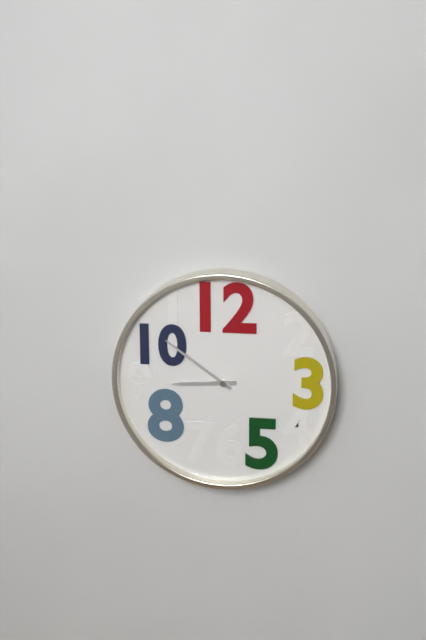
8:51
